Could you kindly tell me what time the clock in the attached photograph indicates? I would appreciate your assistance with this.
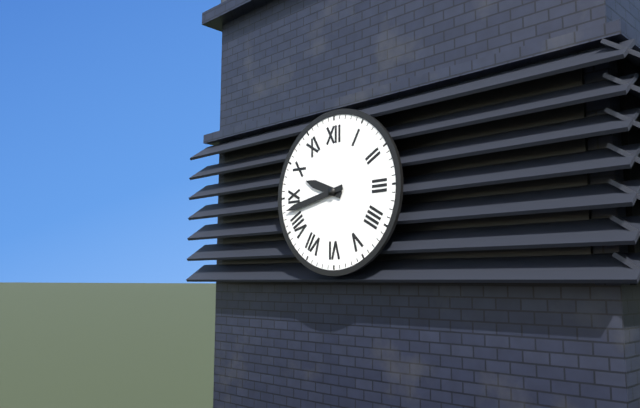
9:43
